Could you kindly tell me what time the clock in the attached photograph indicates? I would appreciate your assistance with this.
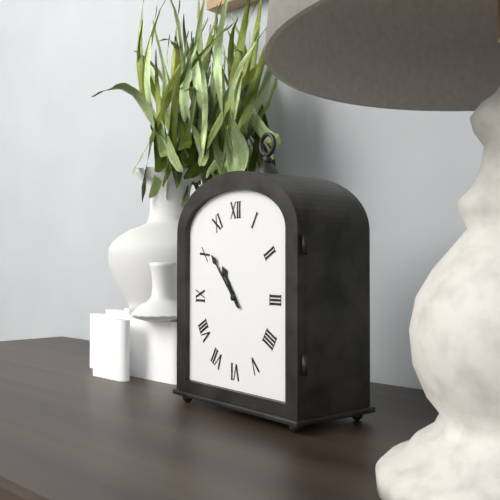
10:53
